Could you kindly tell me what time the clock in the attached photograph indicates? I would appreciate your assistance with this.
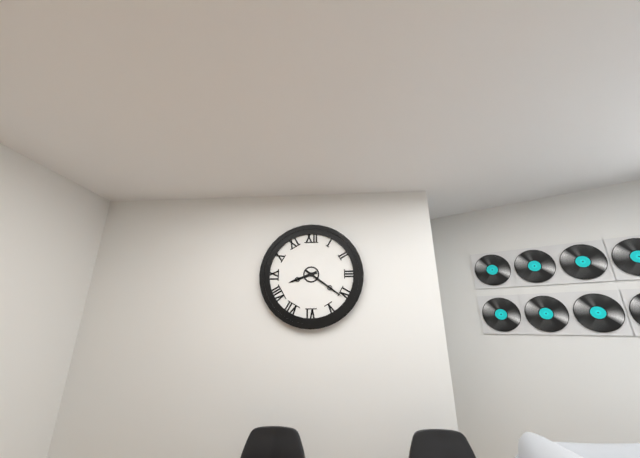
8:21
